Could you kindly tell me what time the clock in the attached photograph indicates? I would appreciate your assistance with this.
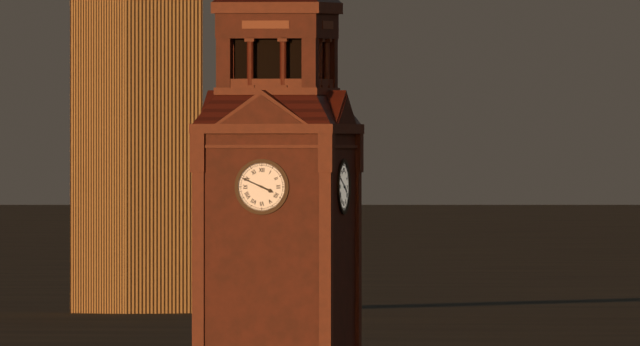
3:49
